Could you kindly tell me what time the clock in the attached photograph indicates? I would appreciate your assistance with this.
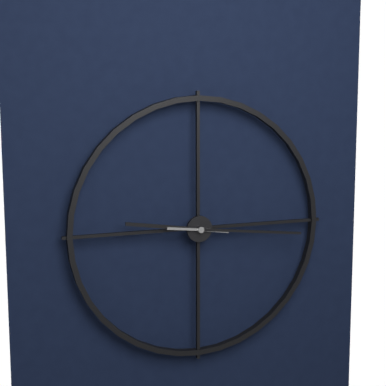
9:16
